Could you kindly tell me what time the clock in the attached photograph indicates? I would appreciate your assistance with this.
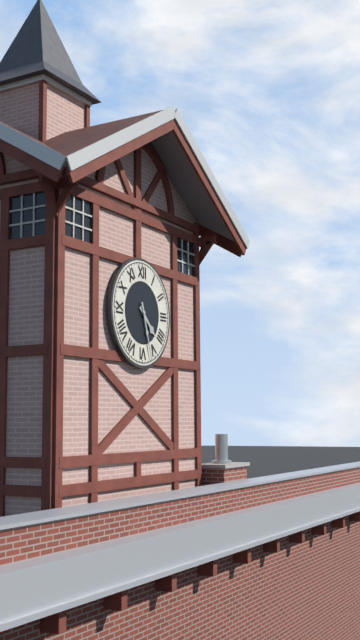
4:27
